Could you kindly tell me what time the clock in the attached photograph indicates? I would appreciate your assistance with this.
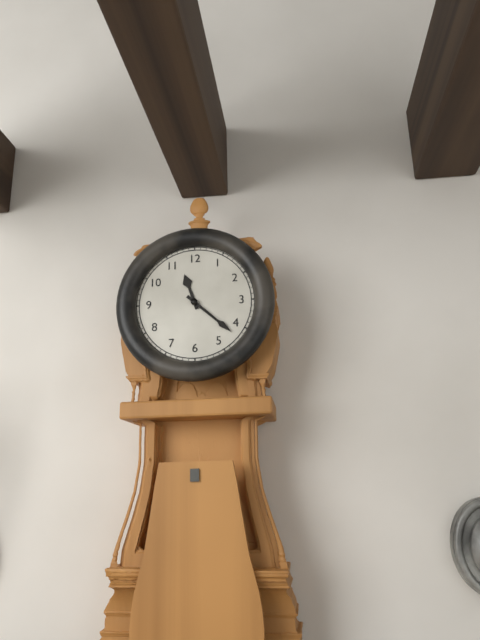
11:22
